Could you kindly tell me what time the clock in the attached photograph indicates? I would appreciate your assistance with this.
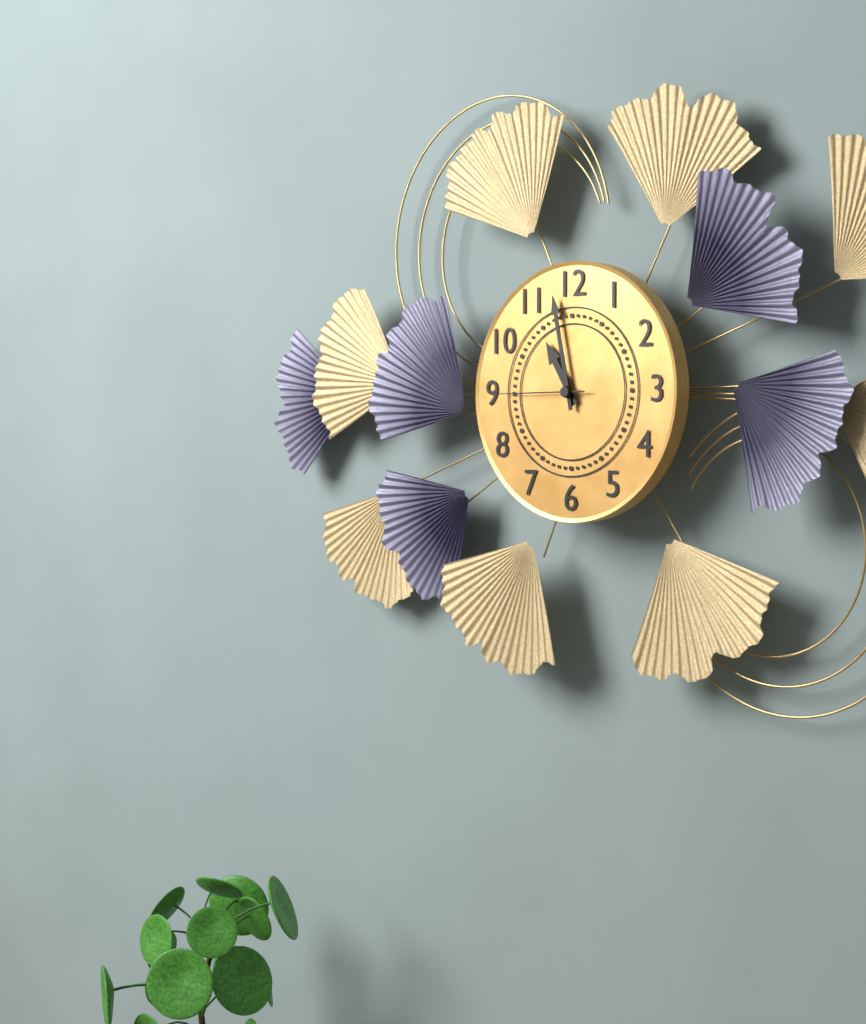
10:58:45
